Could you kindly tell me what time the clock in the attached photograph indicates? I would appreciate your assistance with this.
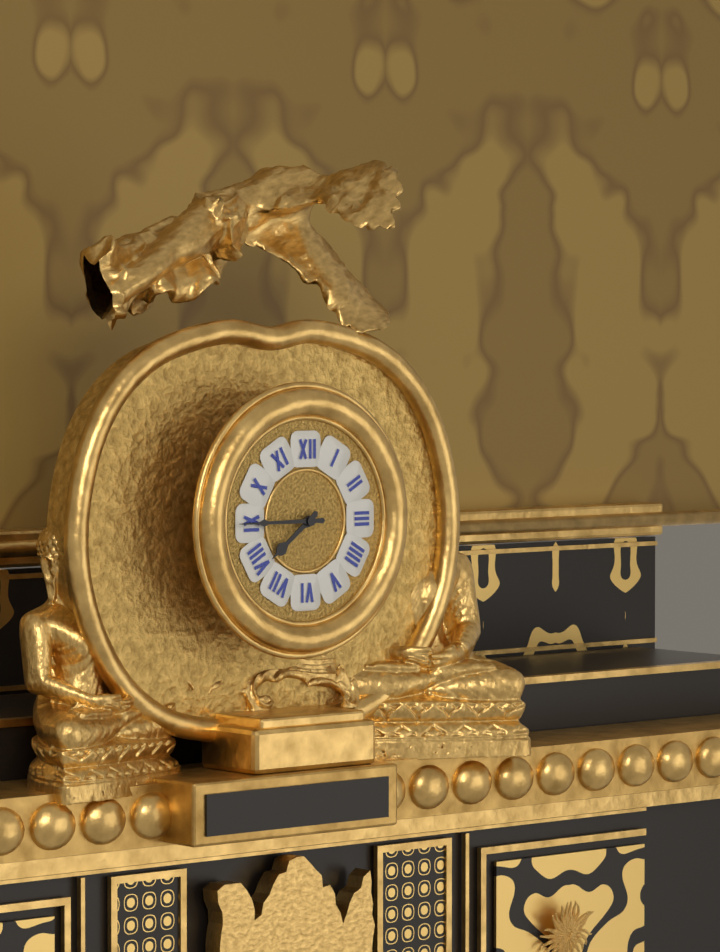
7:45
